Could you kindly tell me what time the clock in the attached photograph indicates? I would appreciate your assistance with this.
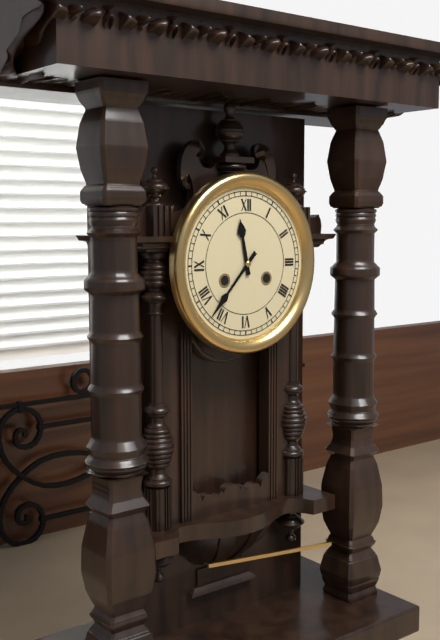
11:37
